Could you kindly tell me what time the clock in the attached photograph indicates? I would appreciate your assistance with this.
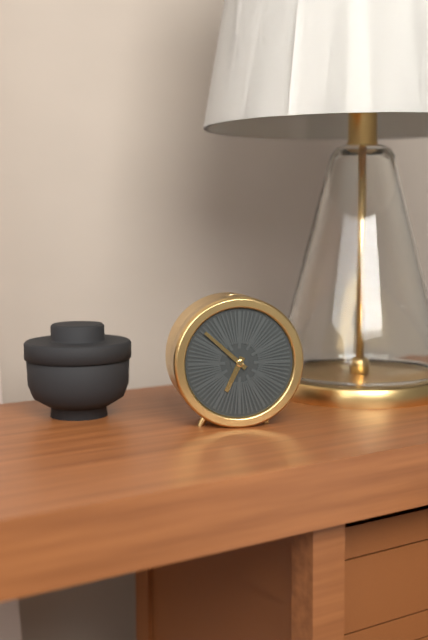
6:52
